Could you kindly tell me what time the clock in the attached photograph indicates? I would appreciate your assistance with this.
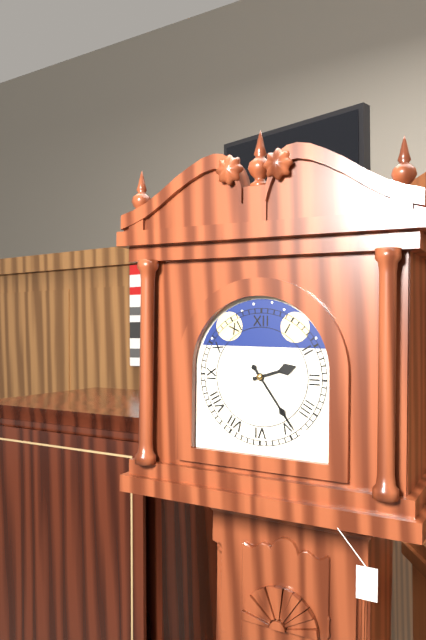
2:24
